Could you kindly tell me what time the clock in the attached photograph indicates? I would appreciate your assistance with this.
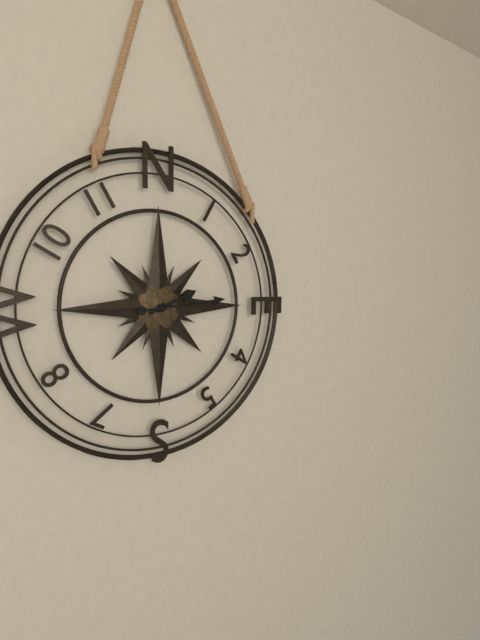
2:14
